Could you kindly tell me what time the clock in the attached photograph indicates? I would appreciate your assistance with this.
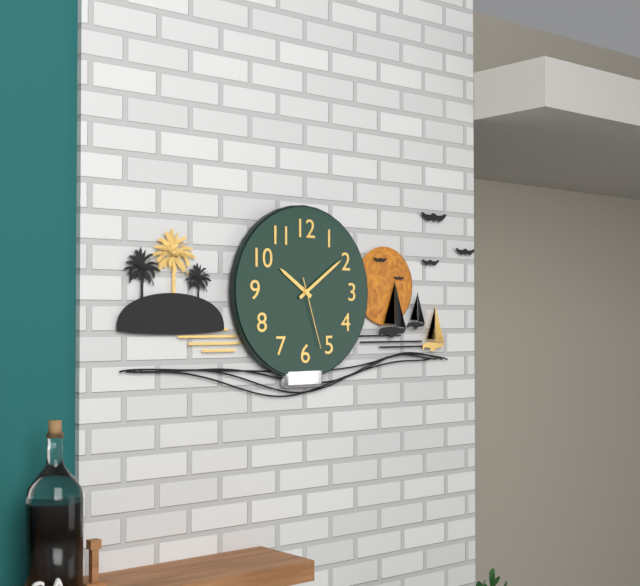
10:09:27
